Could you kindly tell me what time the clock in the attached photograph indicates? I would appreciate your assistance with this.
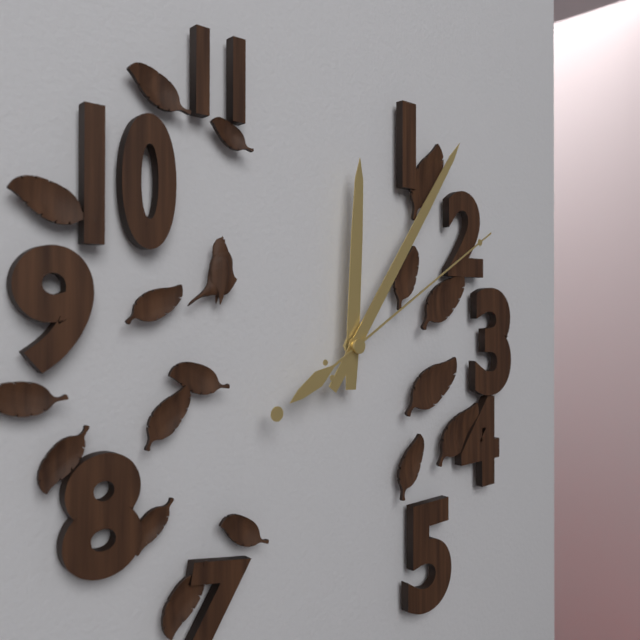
12:06:10
